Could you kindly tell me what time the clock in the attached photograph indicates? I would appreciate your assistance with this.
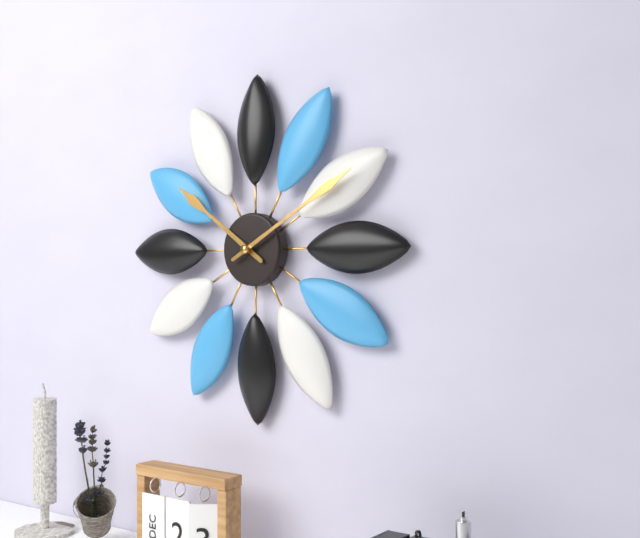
10:10
